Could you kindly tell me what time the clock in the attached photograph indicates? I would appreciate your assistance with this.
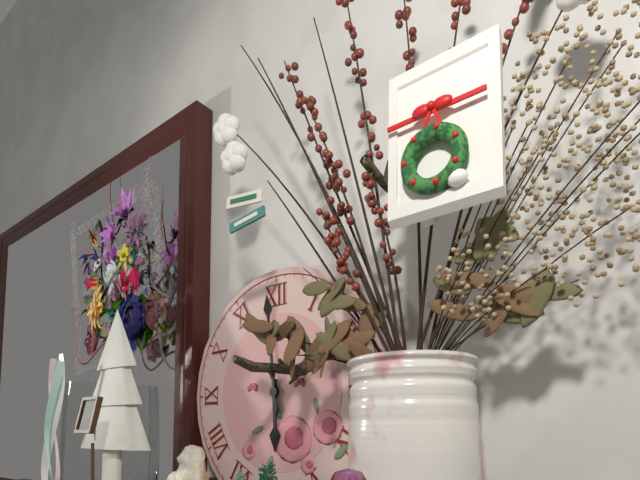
5:59
